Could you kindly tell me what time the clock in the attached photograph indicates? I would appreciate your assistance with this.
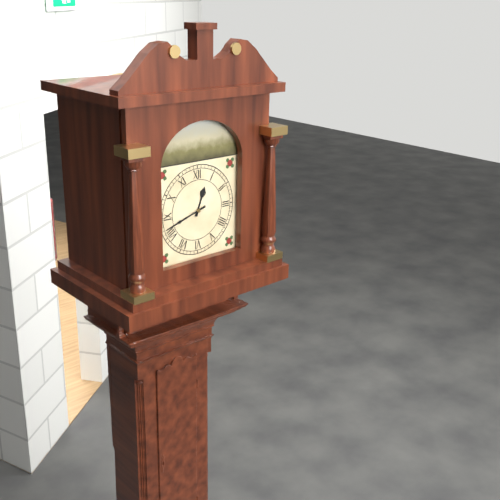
12:42
